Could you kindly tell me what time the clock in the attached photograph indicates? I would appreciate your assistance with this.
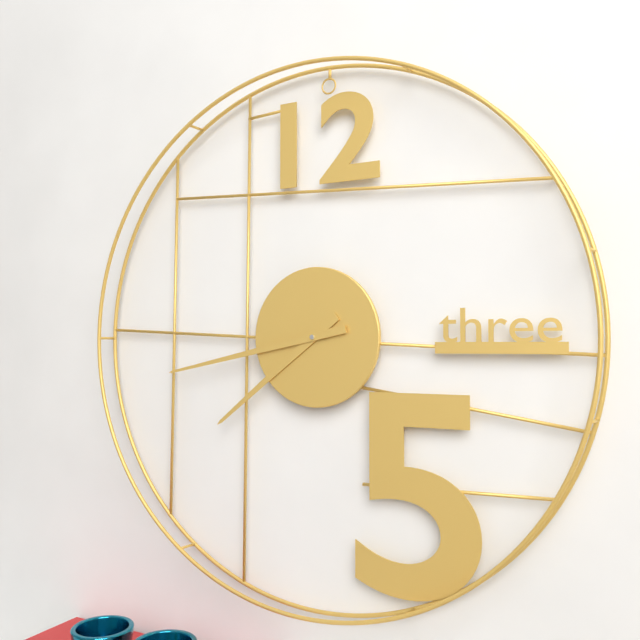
7:43
